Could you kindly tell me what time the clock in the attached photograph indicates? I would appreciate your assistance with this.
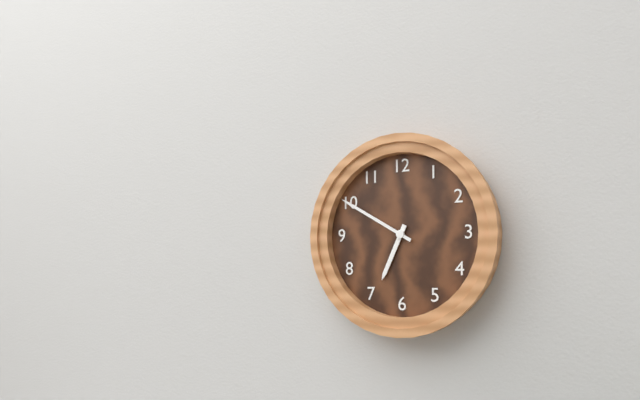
6:50
